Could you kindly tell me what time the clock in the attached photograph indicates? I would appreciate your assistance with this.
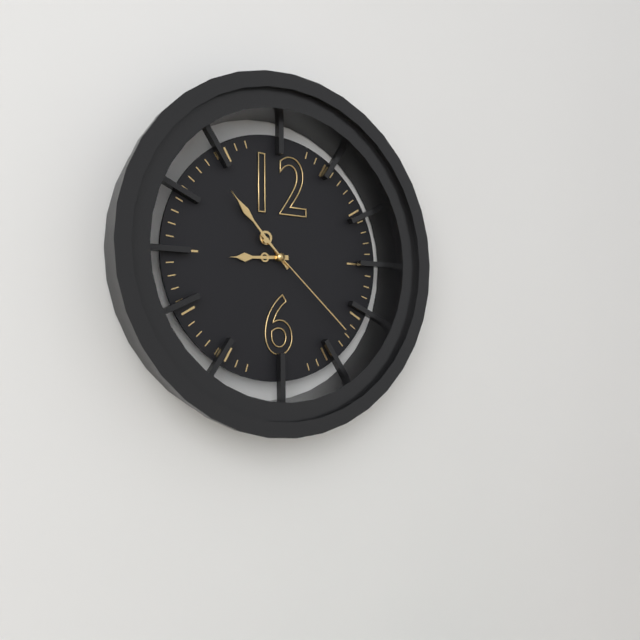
8:53:22
